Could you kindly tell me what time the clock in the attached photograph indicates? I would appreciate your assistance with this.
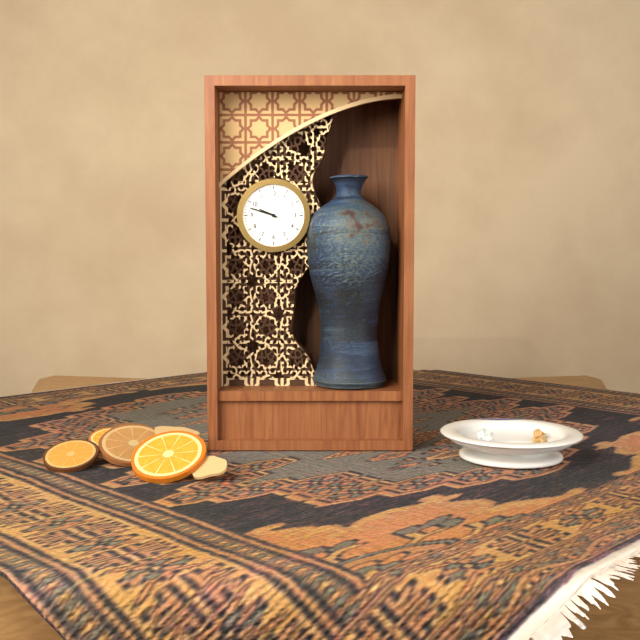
9:48
